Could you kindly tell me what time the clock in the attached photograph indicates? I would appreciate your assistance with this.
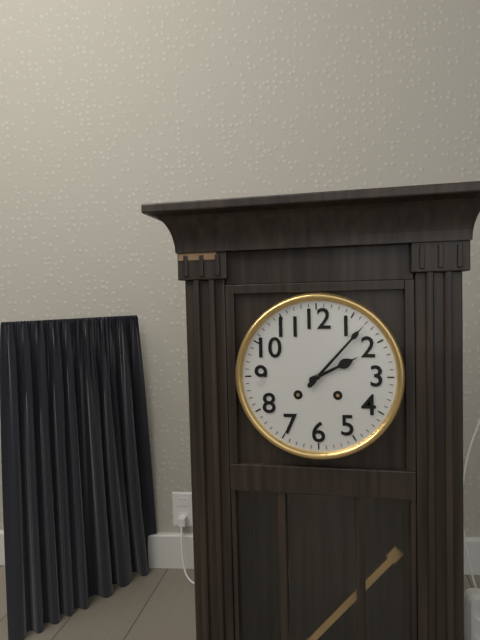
2:07
